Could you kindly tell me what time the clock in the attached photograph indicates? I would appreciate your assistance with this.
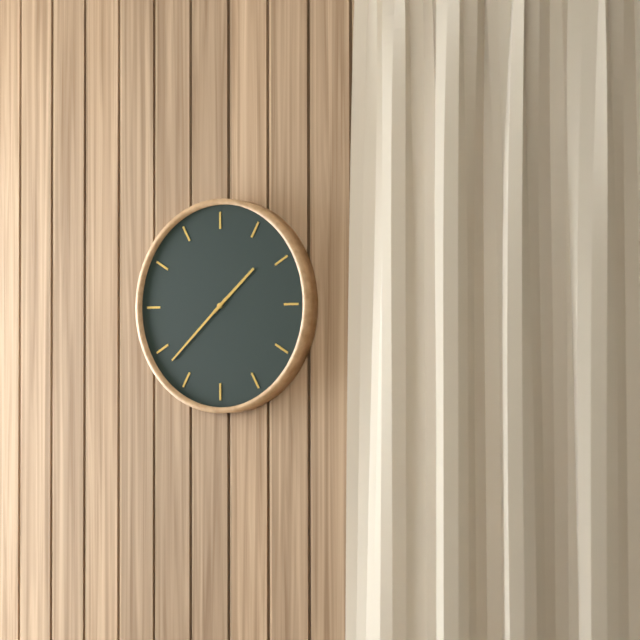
1:38
